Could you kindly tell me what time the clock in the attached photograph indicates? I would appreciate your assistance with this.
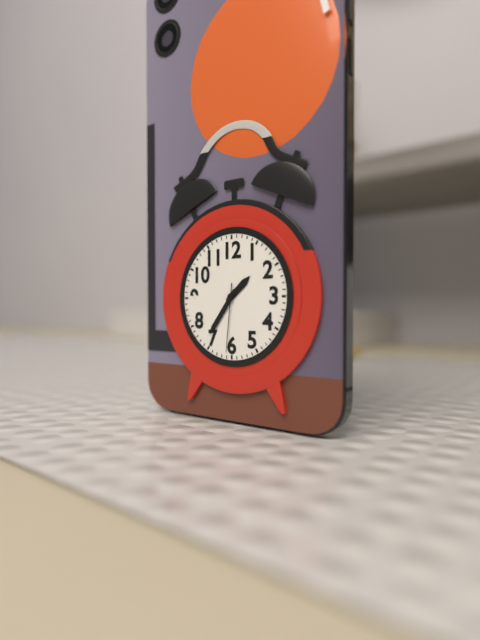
1:36:31
